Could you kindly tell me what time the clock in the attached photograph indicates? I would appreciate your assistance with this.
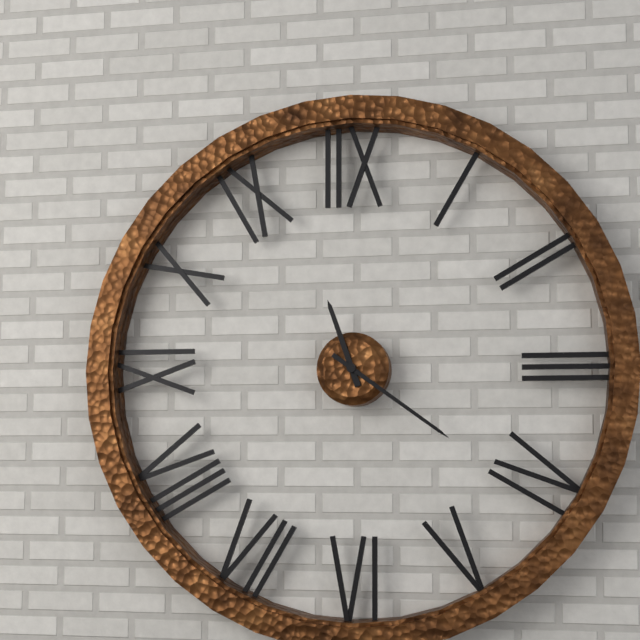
11:21
